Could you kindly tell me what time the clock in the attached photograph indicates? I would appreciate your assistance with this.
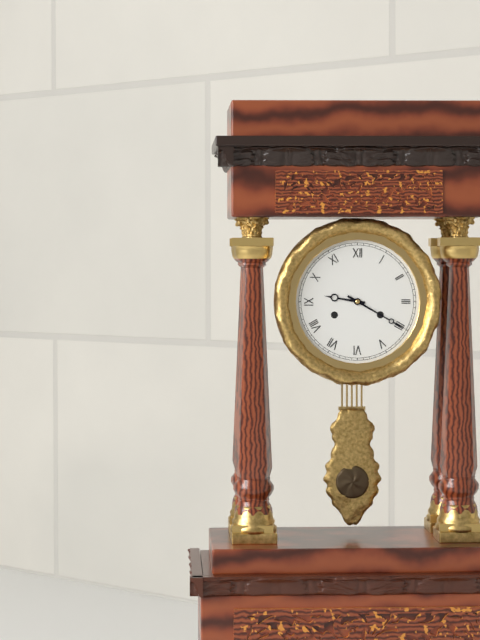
9:20
